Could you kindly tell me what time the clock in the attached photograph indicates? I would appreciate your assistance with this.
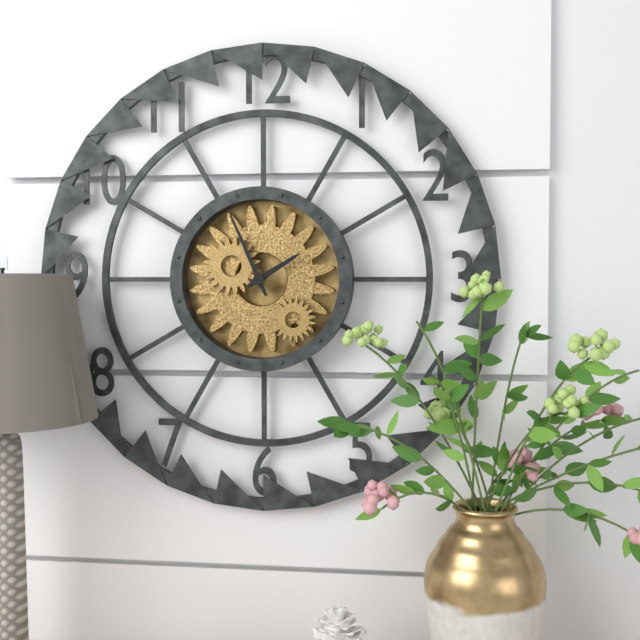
1:56
